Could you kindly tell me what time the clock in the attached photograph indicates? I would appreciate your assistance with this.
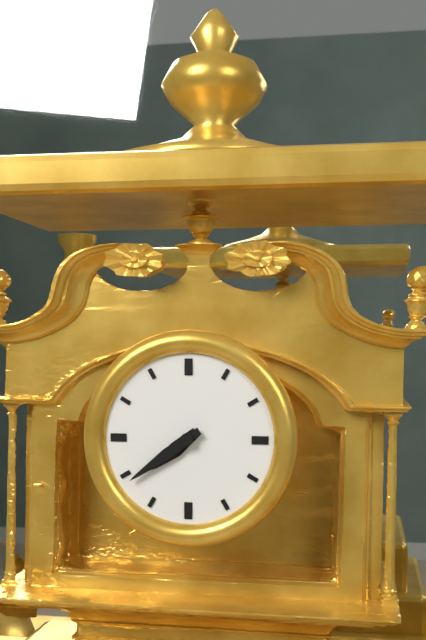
7:39
